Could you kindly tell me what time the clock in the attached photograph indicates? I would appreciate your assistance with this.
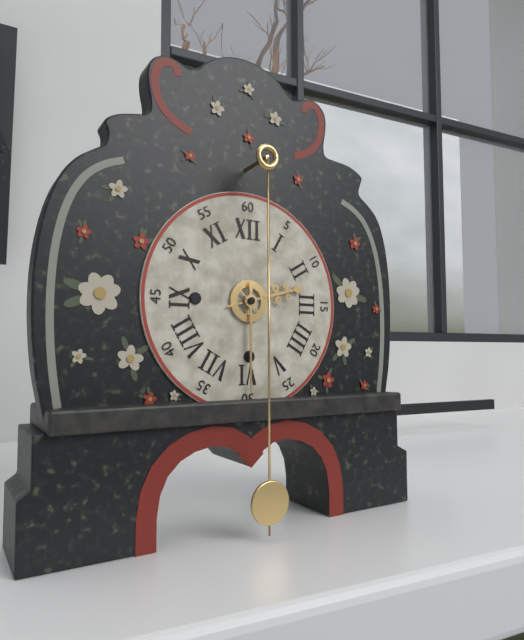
2:30
